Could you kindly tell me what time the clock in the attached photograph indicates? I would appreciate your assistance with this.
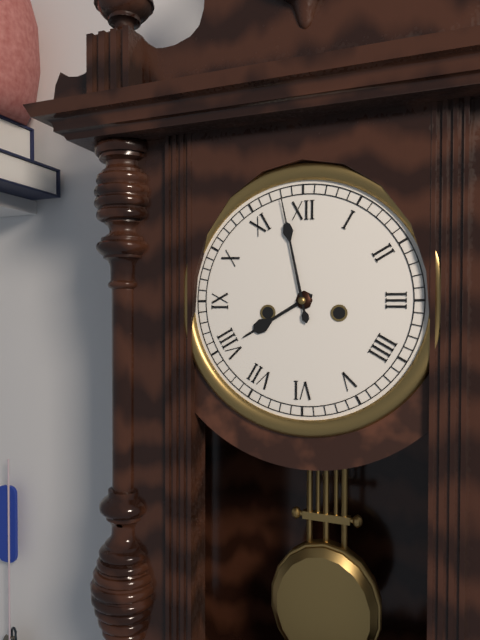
7:58
